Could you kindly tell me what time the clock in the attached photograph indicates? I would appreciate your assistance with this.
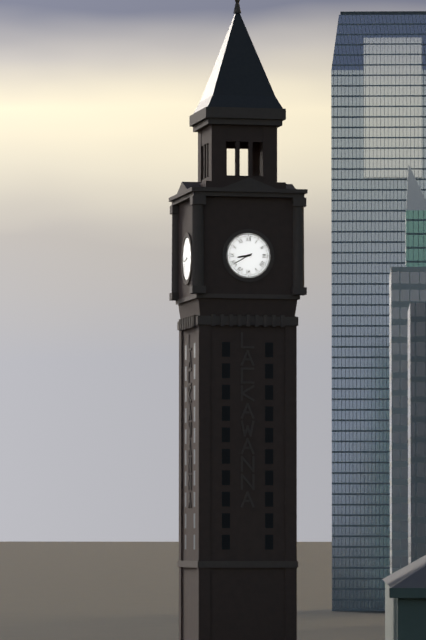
8:40
